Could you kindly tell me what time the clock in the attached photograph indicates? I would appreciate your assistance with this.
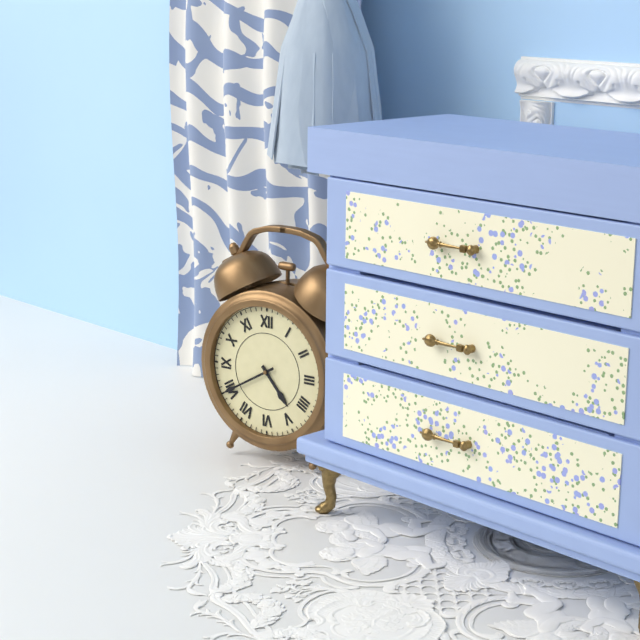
4:40
